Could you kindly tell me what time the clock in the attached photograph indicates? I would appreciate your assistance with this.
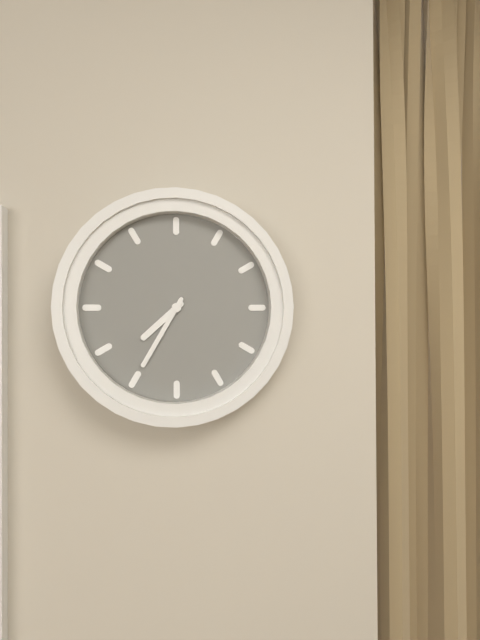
7:35
